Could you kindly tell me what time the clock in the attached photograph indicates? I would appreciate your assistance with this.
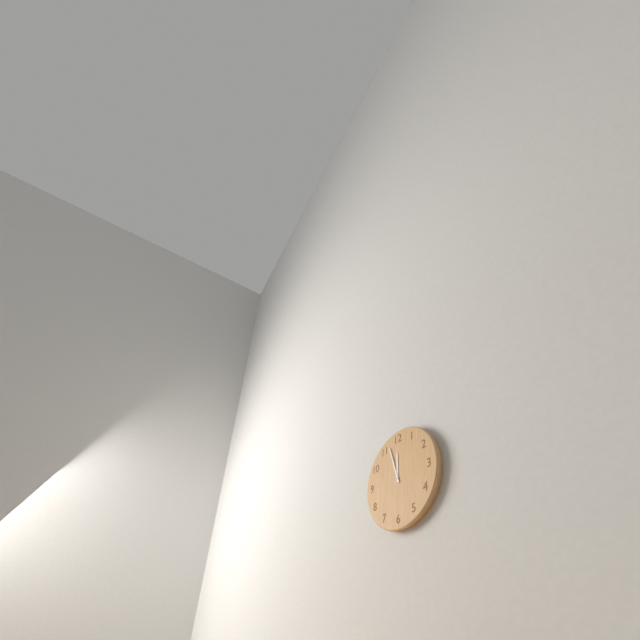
11:57
